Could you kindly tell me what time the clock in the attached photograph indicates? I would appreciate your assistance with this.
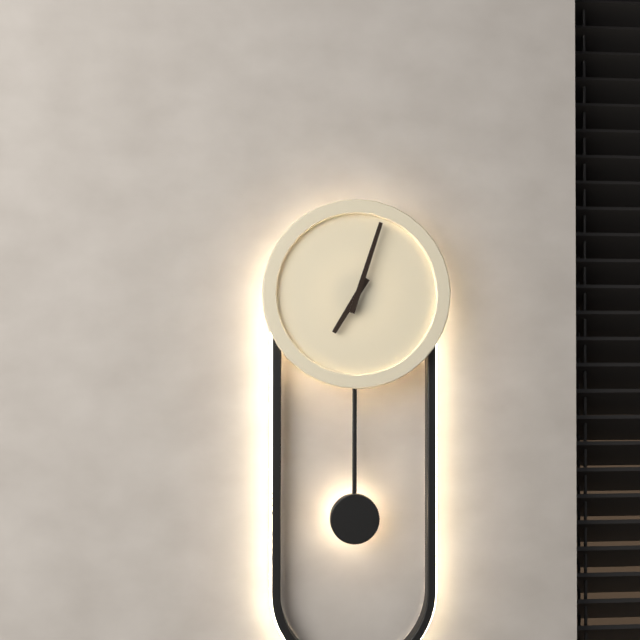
7:03
